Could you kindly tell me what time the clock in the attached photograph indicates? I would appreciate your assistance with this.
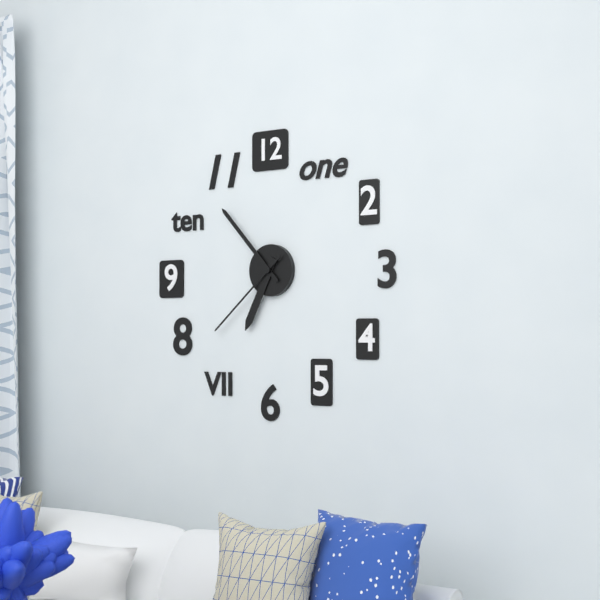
6:53:38
